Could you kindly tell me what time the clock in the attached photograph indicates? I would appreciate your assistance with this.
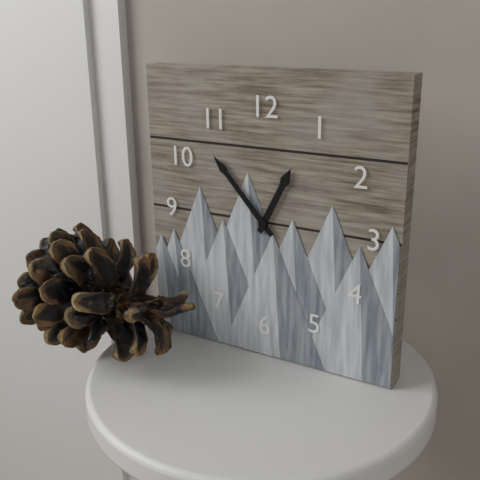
12:53
